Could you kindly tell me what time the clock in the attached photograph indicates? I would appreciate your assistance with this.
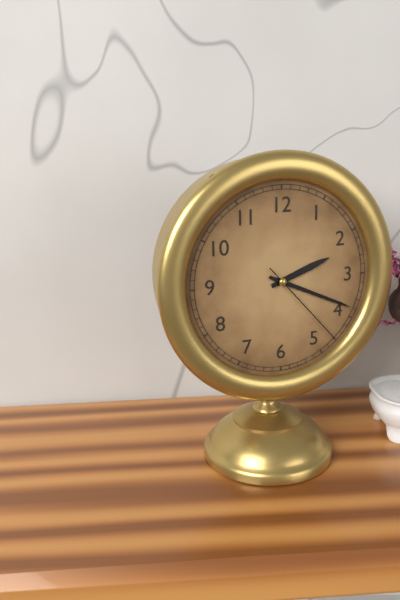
2:19:23
